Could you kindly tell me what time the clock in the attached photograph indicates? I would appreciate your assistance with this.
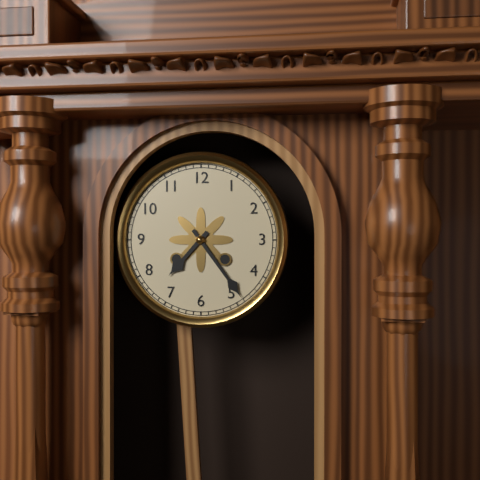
7:24
